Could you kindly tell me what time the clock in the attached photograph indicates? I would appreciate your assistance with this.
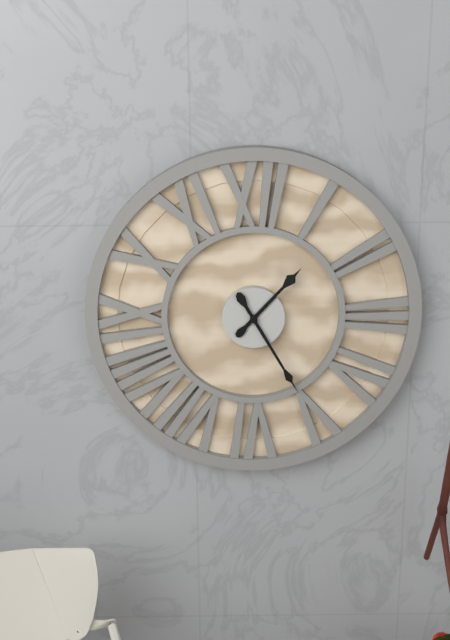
1:25
